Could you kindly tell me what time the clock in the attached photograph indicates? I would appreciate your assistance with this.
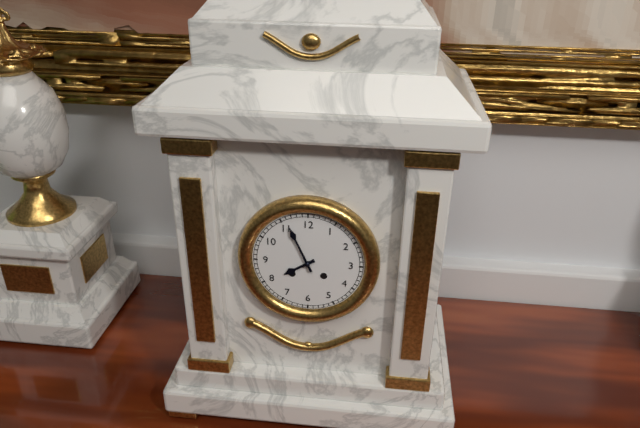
7:56
